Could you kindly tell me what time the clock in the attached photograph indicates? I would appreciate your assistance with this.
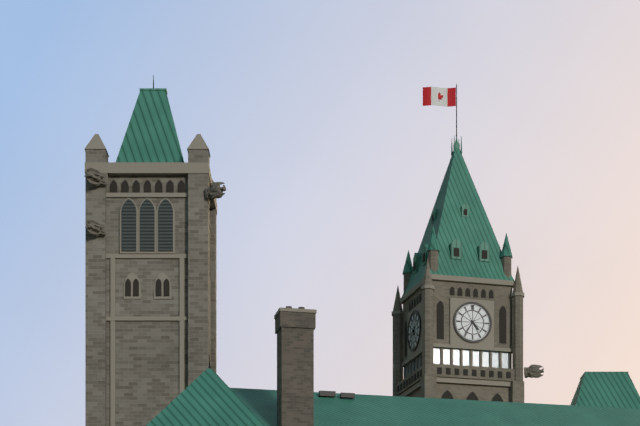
4:36
